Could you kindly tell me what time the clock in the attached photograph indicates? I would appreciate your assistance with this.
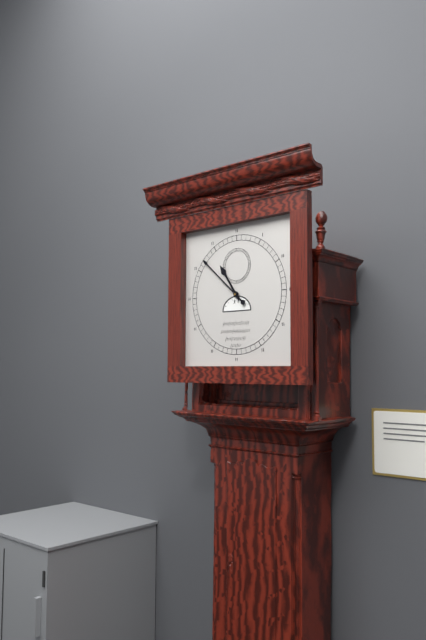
10:52
